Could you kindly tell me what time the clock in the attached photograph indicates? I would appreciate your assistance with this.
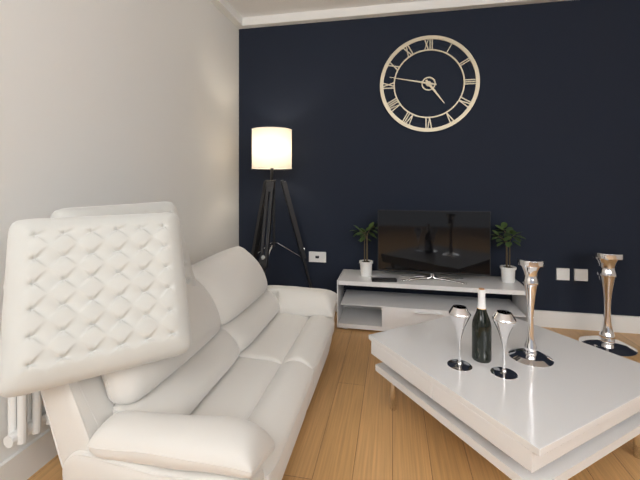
4:47
